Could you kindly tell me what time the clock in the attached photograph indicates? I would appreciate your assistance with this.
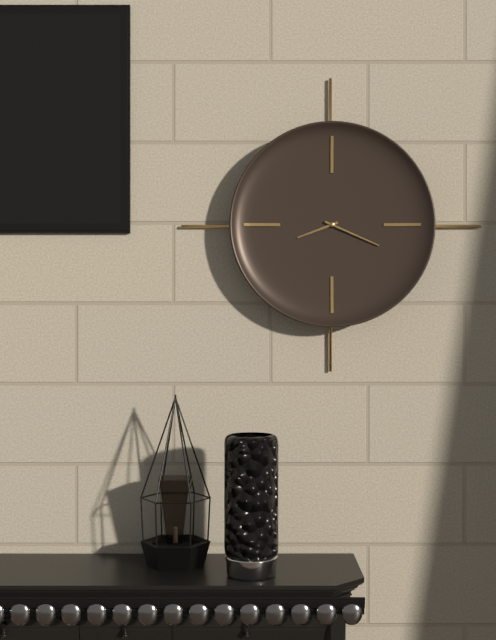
8:19
